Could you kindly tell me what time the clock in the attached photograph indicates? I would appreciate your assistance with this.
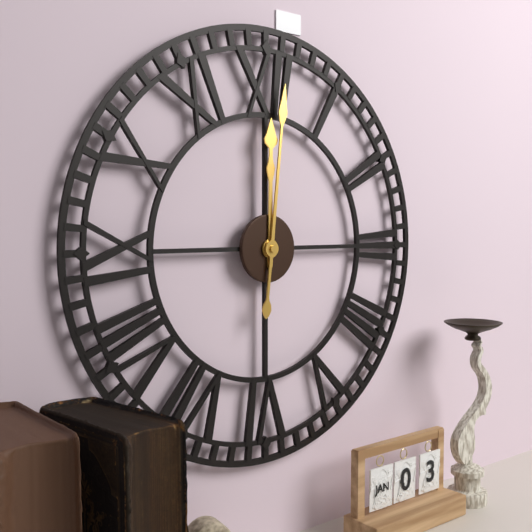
12:01
